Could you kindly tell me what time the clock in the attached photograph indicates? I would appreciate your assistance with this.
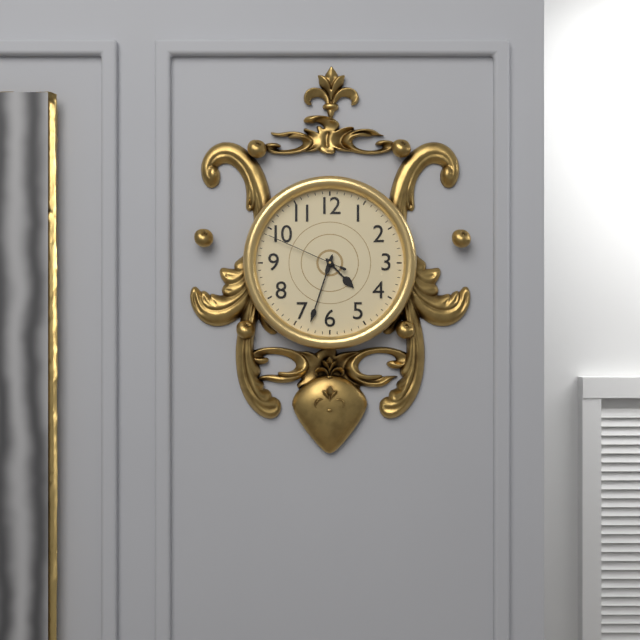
4:33:49
